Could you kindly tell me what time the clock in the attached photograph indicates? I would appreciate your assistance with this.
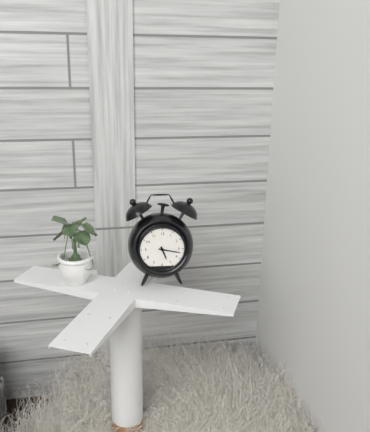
5:17
